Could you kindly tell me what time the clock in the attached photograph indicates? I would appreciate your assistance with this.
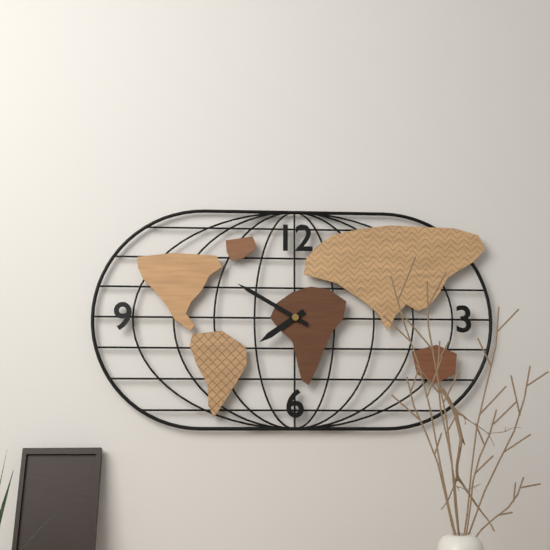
7:50
